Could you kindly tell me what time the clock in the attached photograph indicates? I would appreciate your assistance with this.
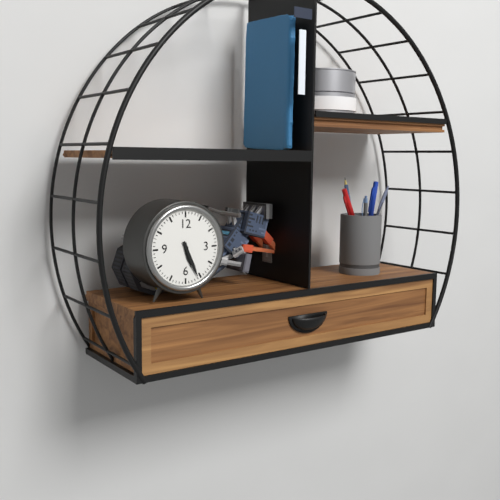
5:26
